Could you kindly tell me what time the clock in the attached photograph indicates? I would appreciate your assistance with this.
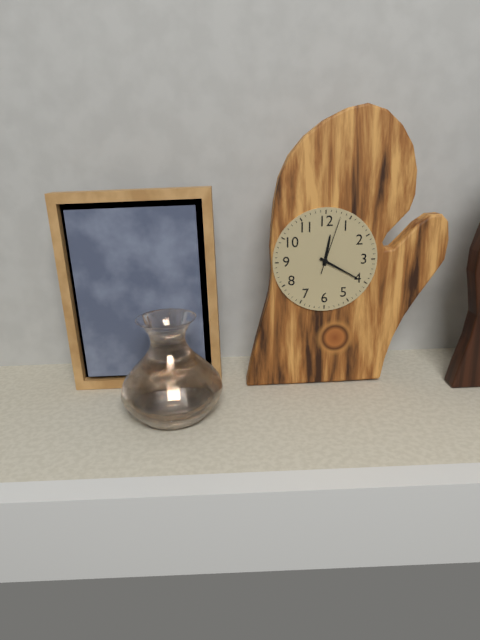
12:20:03
